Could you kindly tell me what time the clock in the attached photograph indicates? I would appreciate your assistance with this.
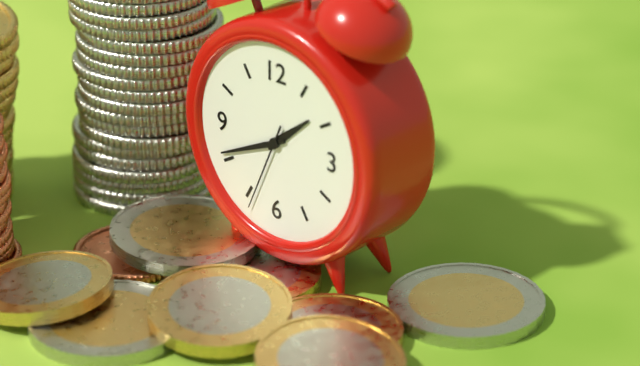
1:41:34
